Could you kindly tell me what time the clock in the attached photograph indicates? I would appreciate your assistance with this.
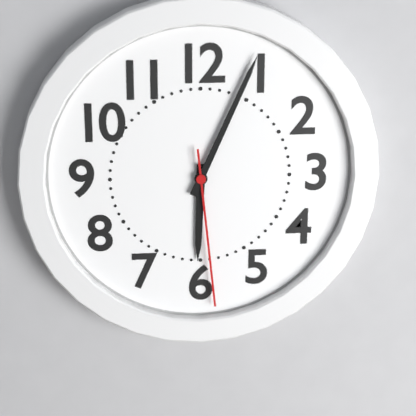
6:04:29
